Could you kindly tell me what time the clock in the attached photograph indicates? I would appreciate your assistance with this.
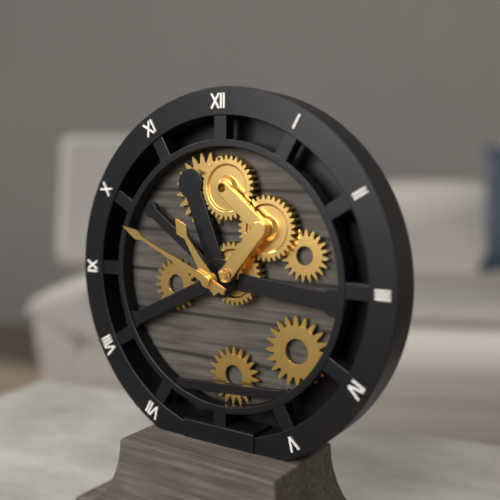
10:49
